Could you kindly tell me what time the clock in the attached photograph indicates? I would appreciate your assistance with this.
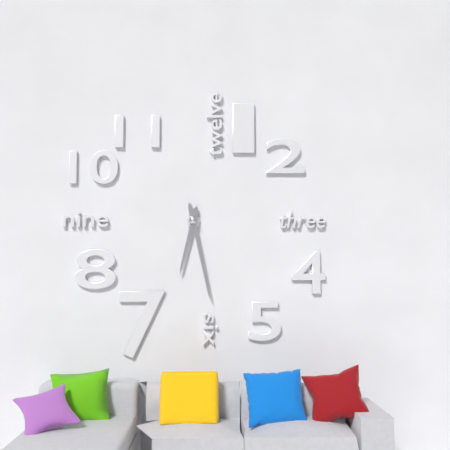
6:28
